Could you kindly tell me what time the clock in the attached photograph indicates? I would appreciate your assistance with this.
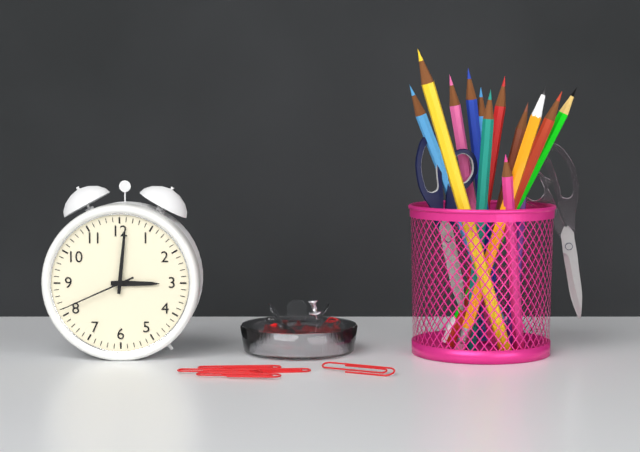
3:01:41
